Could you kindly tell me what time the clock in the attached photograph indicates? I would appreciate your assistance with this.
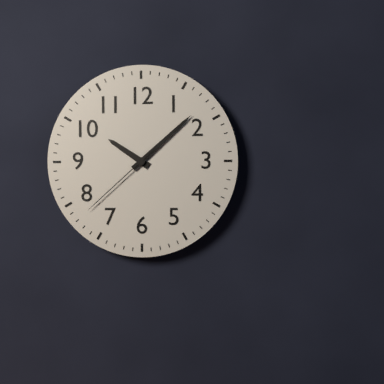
10:08:38
